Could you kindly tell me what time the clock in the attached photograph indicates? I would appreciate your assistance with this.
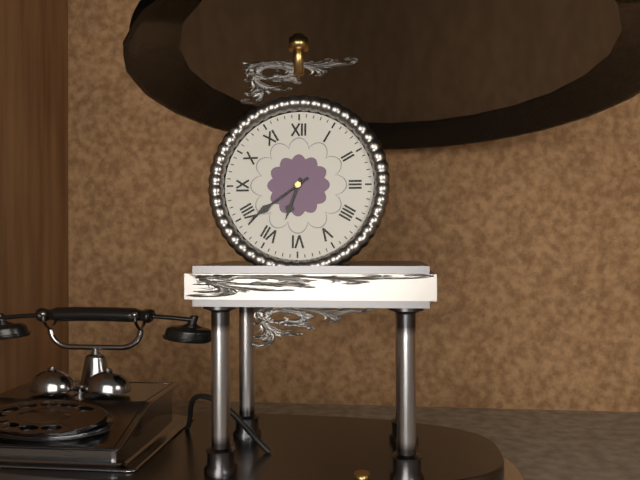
6:39
